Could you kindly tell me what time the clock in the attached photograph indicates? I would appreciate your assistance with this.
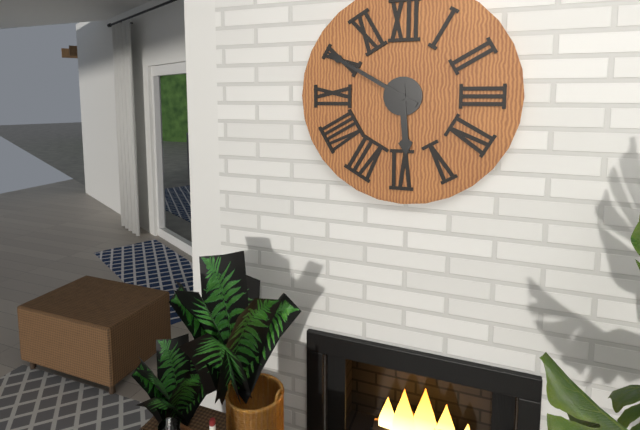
5:50
